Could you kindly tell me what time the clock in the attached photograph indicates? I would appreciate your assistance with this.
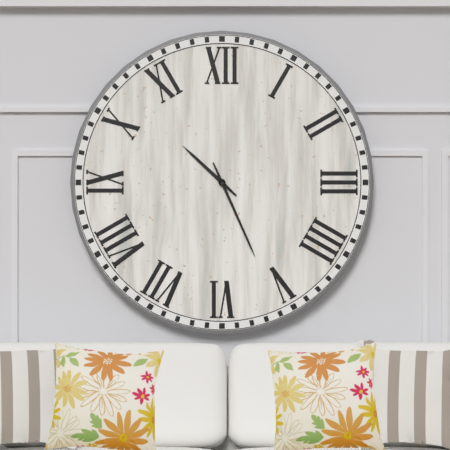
10:26
